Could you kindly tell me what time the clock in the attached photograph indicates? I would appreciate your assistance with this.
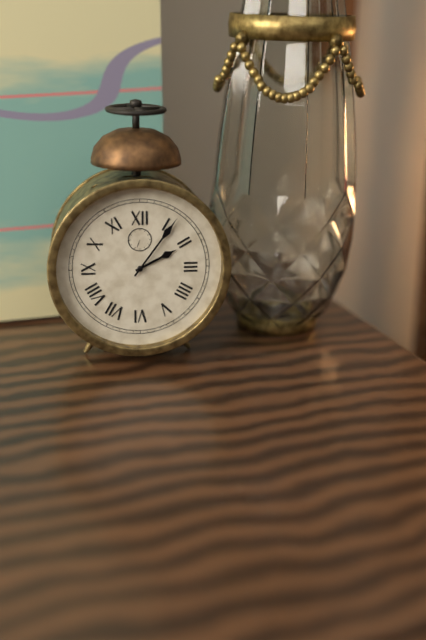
2:06
